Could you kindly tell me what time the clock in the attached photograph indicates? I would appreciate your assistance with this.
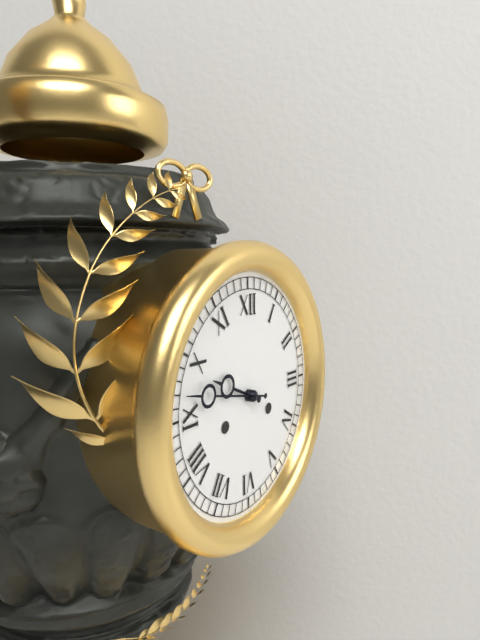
9:47
